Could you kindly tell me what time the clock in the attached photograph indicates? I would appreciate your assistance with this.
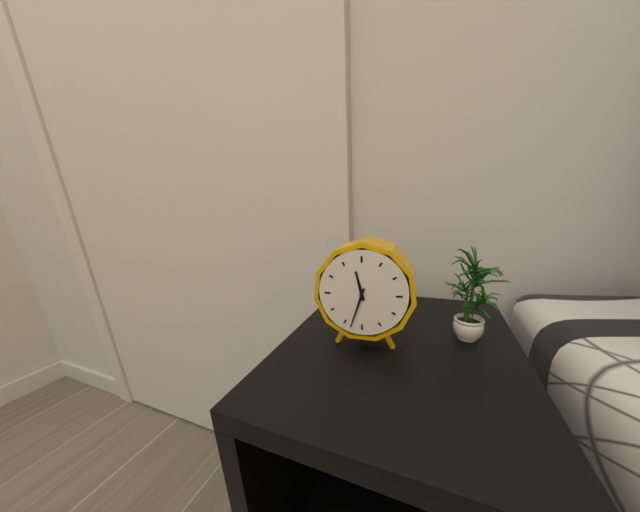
11:33
